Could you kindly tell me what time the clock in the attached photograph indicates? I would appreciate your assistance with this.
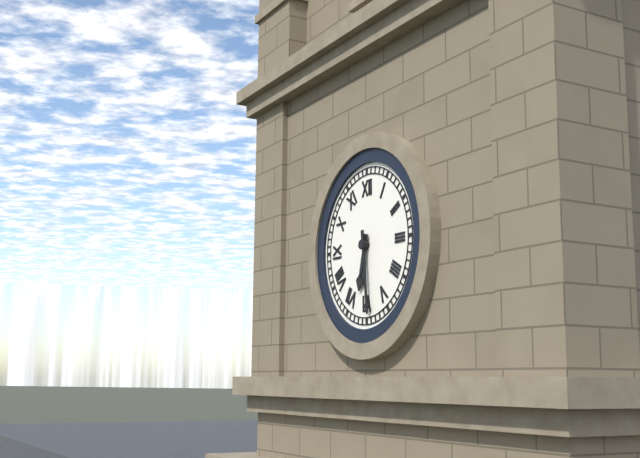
6:29
